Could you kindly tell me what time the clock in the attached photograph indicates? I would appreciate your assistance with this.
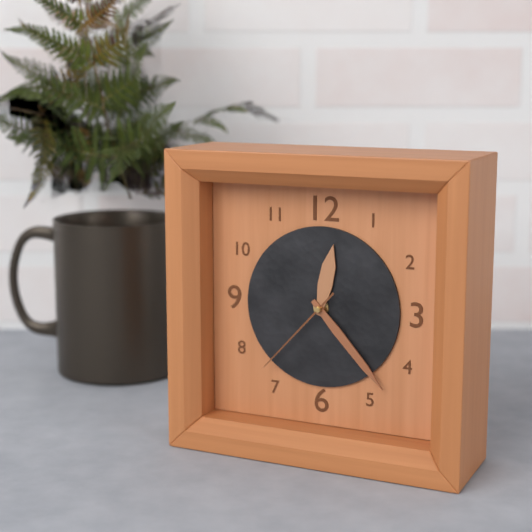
12:23:37
